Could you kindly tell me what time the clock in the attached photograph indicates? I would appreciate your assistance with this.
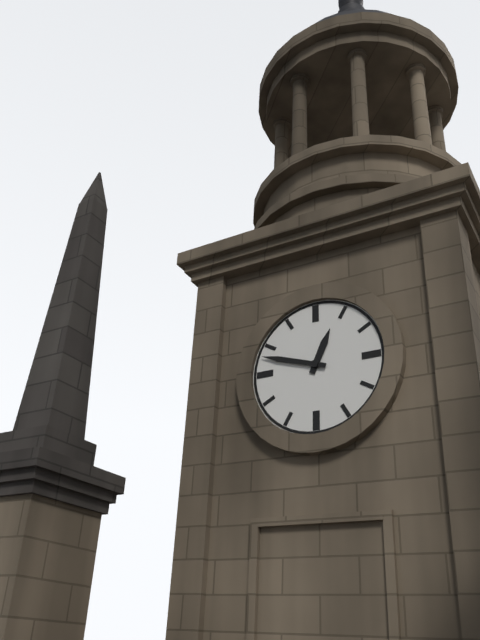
12:48
